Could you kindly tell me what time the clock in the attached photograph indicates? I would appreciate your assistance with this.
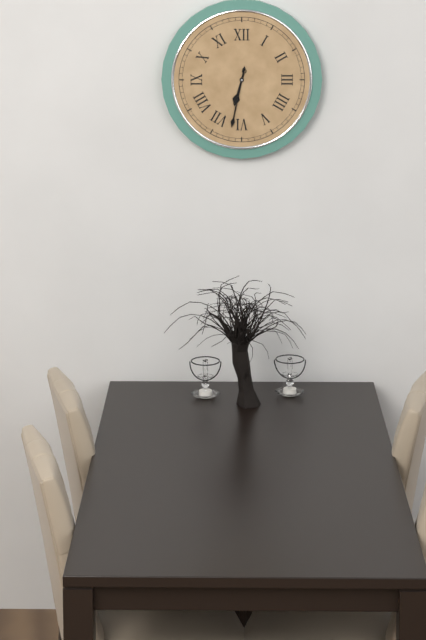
6:32
